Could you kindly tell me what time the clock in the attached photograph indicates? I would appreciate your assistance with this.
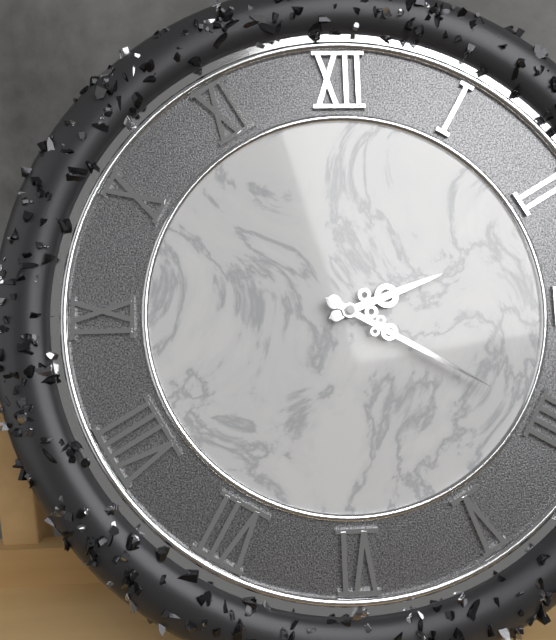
2:20
